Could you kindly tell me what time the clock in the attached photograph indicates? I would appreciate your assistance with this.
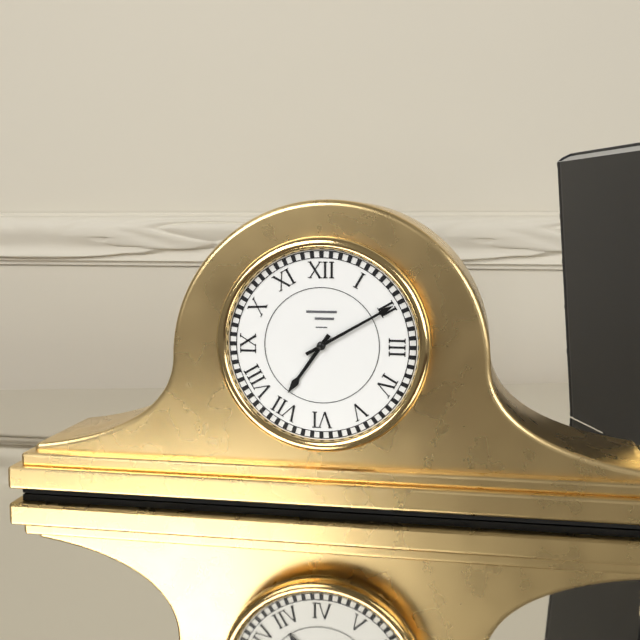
7:10
